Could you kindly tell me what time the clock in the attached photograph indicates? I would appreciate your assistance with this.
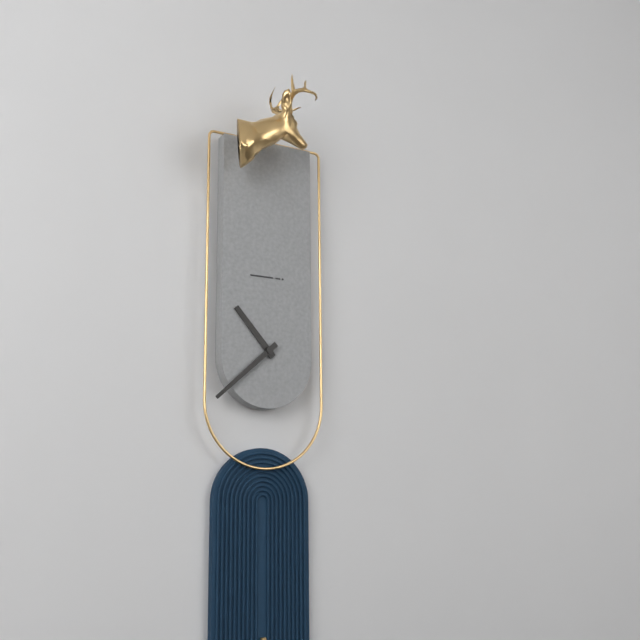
10:38
